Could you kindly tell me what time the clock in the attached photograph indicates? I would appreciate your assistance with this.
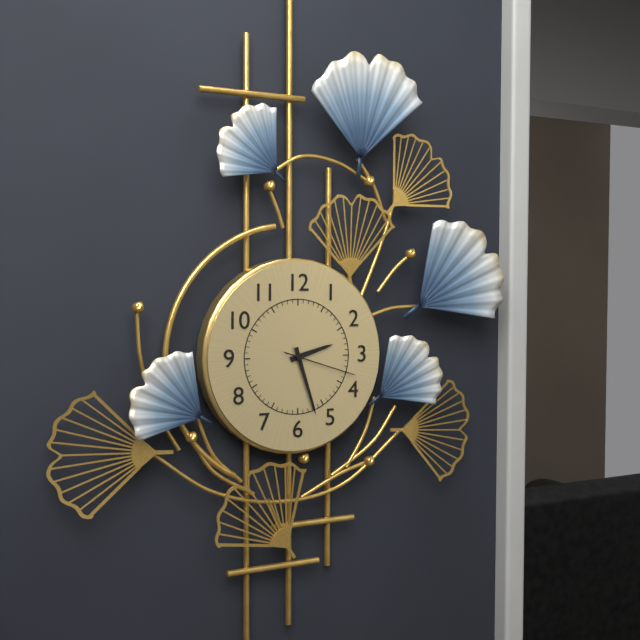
2:27:18
